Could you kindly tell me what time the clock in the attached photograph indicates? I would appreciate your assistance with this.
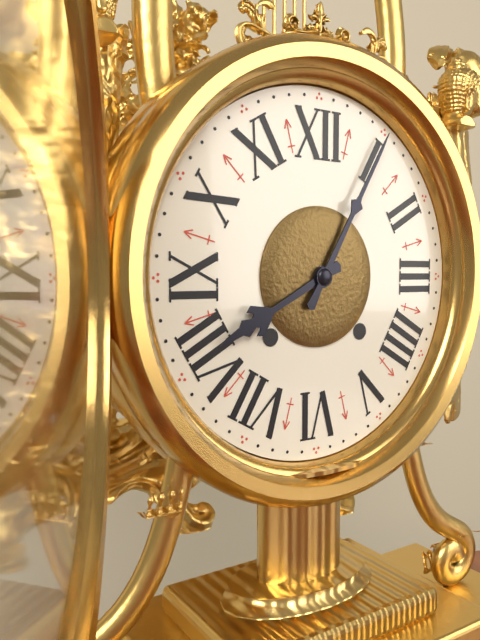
8:05
